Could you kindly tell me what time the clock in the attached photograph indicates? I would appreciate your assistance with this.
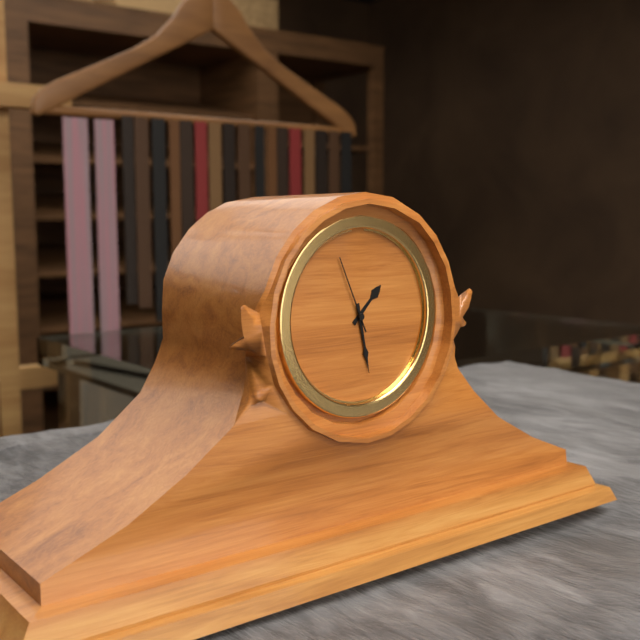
1:28:56
